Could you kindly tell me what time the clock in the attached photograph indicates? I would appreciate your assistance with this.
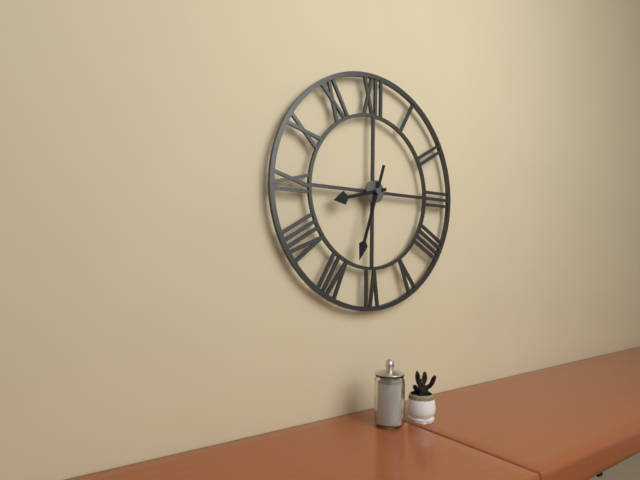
8:33
